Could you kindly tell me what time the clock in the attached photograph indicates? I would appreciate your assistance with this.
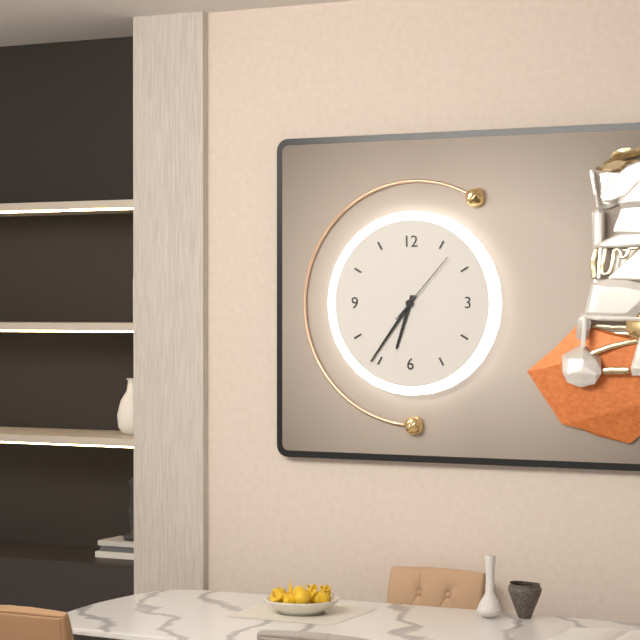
6:36:07
